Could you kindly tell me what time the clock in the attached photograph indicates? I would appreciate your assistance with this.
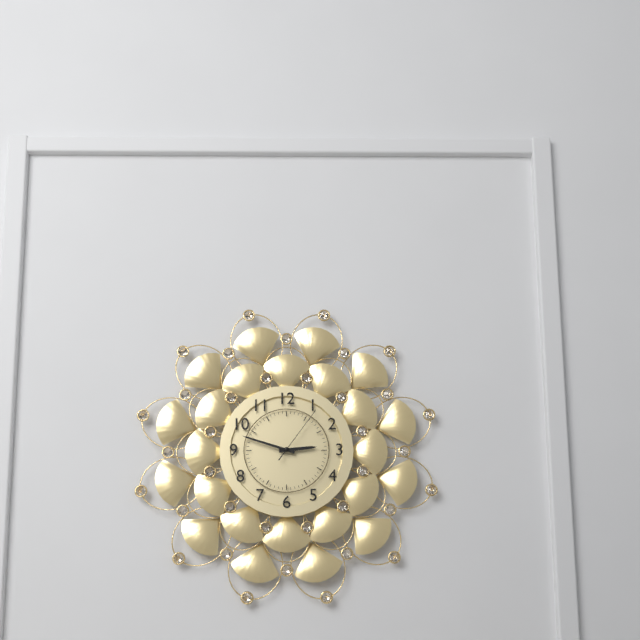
2:48:06
